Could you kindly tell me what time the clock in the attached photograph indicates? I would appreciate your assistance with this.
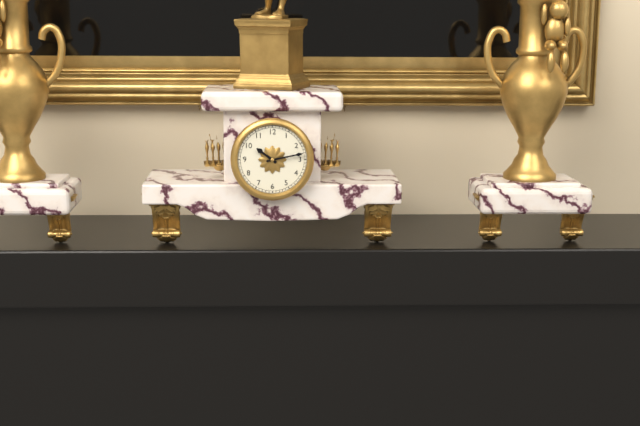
10:13
